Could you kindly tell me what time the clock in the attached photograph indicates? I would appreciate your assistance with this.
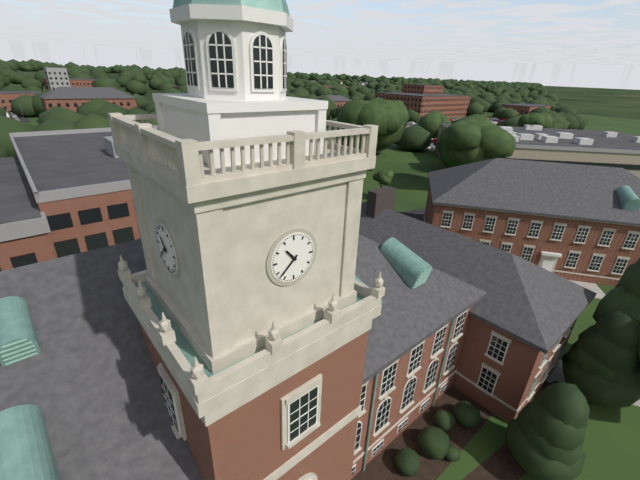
10:38
